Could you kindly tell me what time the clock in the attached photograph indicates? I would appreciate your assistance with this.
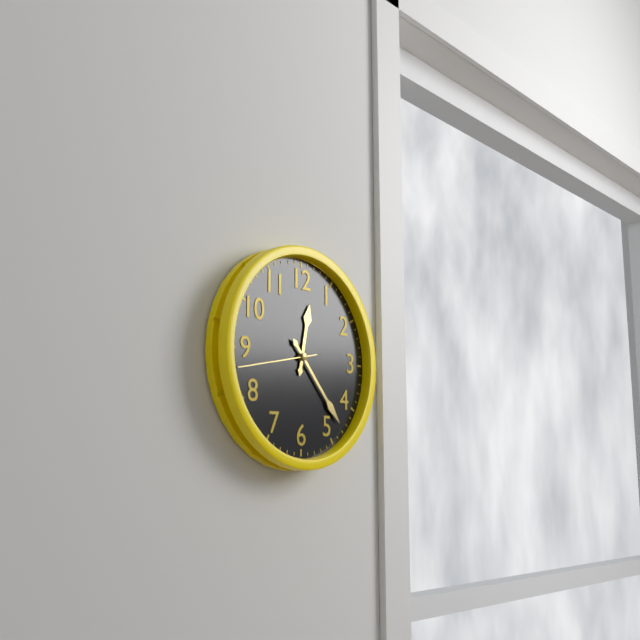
12:23:43
